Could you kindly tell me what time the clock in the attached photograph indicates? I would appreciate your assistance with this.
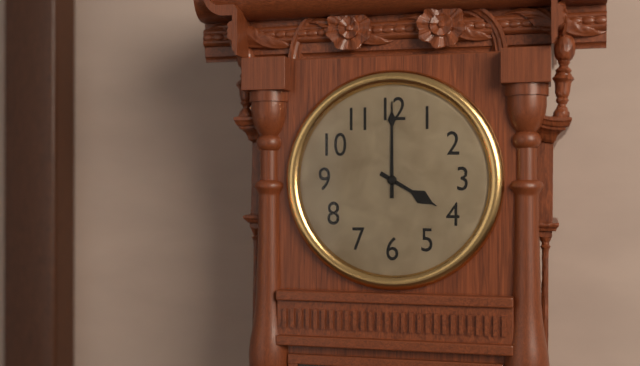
4:00
